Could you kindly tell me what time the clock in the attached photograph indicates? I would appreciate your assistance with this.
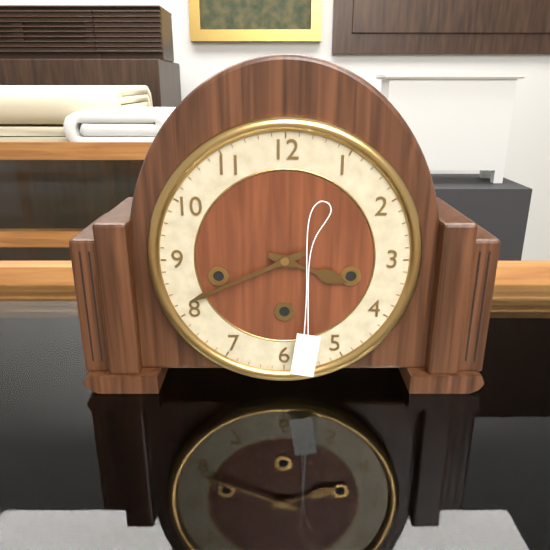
3:41
